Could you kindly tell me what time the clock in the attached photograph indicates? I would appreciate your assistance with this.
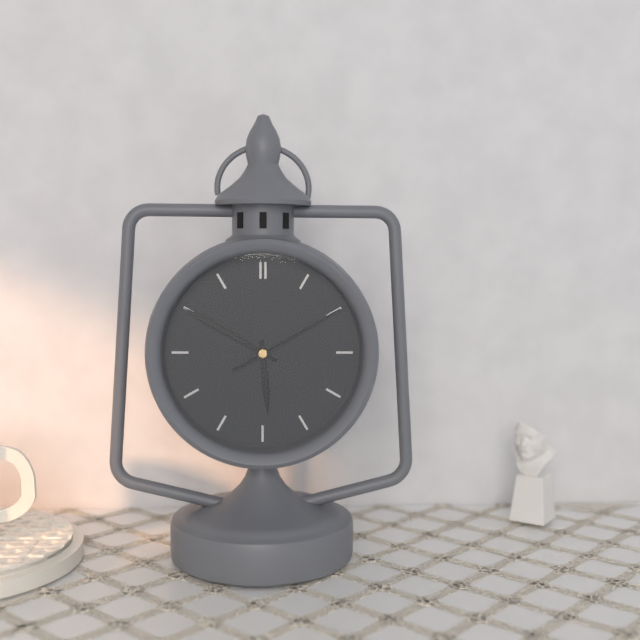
5:50:10
